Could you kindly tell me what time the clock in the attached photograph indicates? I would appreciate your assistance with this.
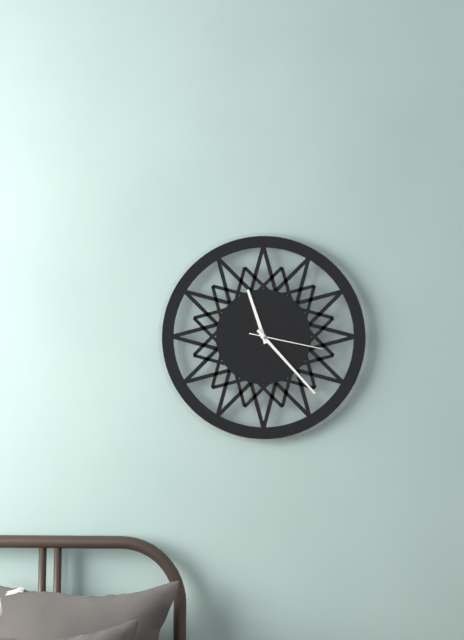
11:23:17
